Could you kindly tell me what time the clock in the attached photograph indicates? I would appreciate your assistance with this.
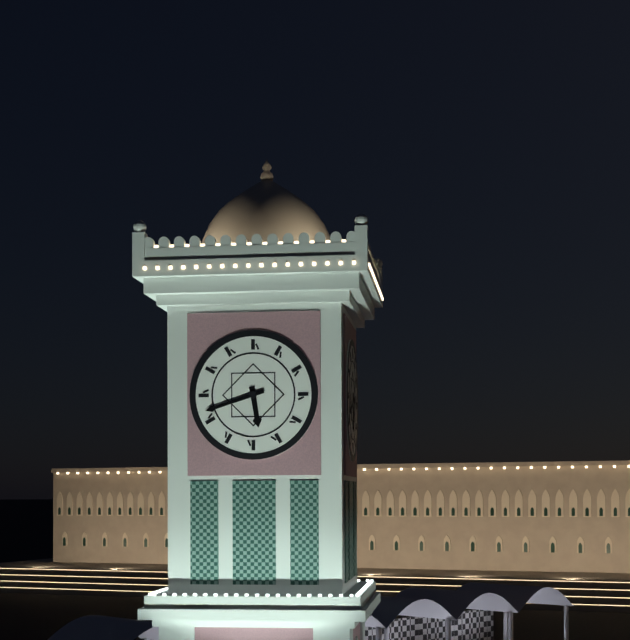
5:42
